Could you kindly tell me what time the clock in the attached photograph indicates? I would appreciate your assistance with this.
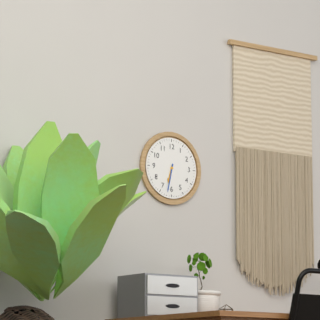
6:32
